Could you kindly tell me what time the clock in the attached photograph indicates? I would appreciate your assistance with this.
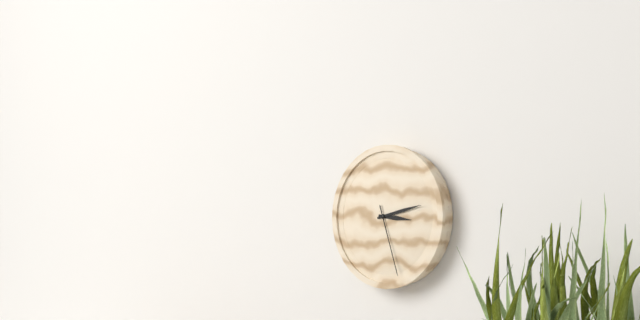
3:13:27
